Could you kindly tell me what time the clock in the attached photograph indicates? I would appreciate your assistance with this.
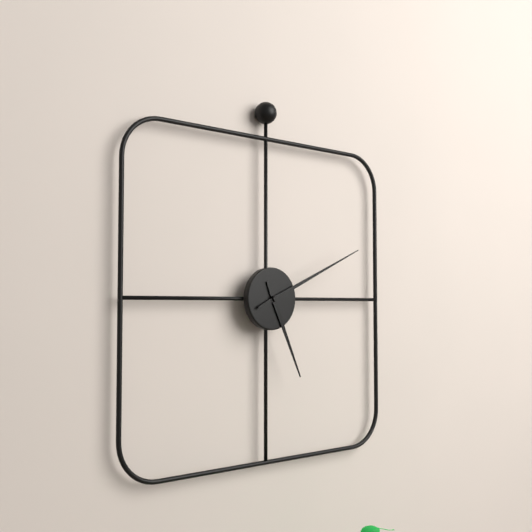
5:11
